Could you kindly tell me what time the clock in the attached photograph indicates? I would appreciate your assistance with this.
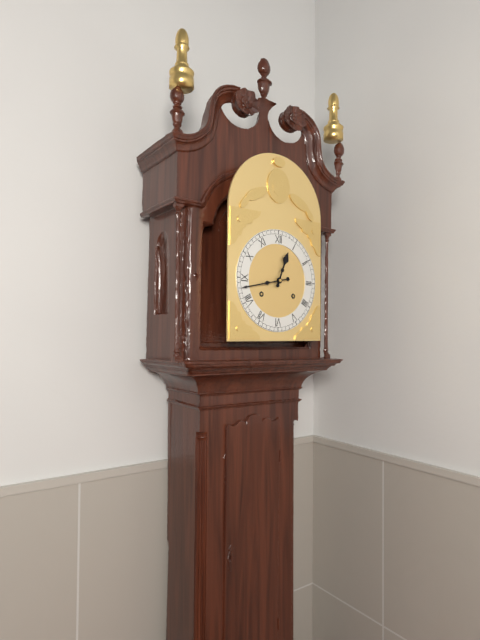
12:43
